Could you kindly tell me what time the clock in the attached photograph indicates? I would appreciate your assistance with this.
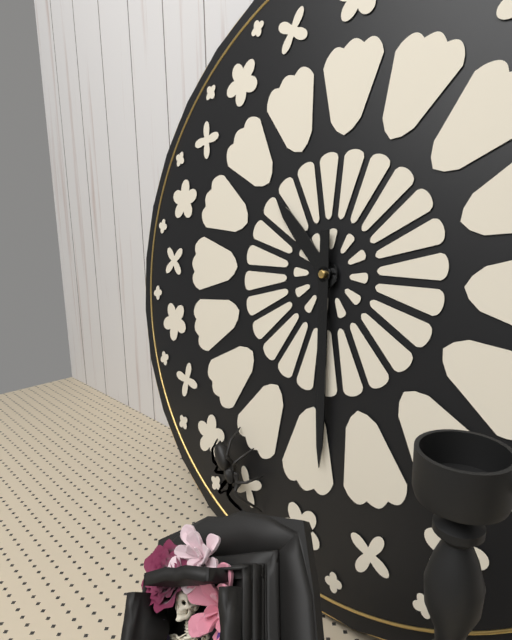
10:29
